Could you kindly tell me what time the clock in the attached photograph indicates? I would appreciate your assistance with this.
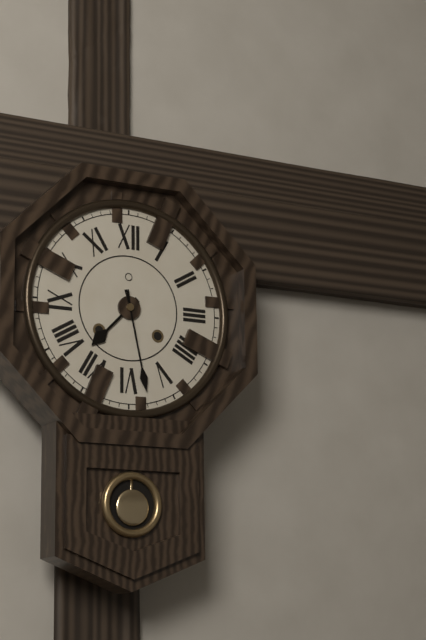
7:28
